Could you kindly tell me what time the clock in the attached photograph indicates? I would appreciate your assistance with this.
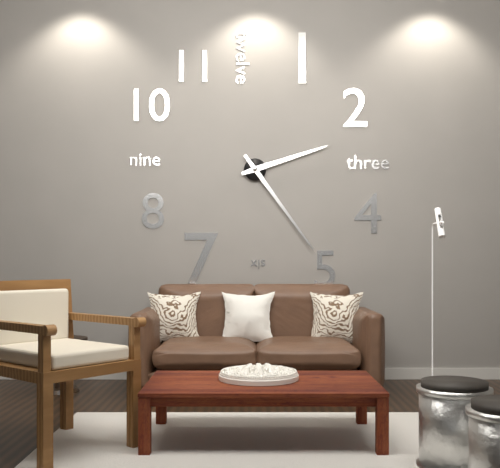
2:24
